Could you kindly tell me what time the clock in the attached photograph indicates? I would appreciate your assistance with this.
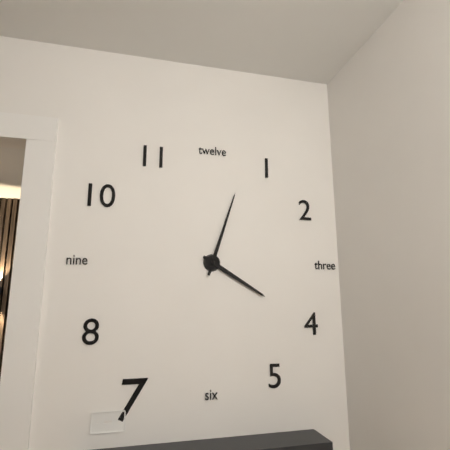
4:03
